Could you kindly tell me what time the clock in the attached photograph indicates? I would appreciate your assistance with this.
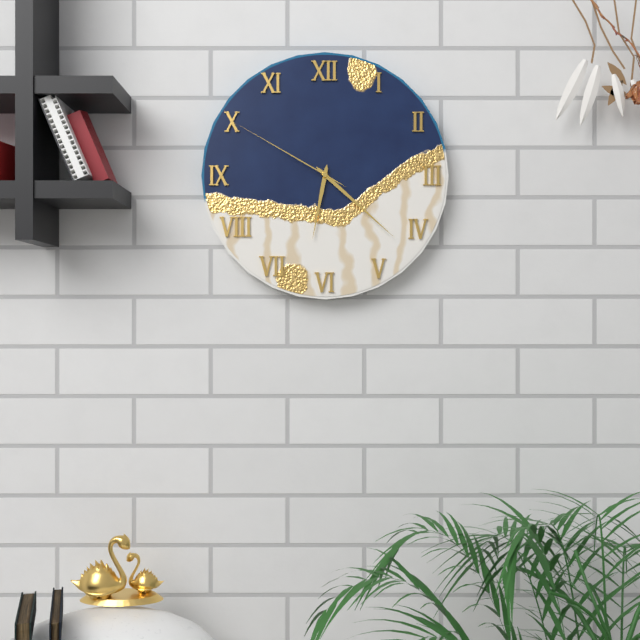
6:22:50
